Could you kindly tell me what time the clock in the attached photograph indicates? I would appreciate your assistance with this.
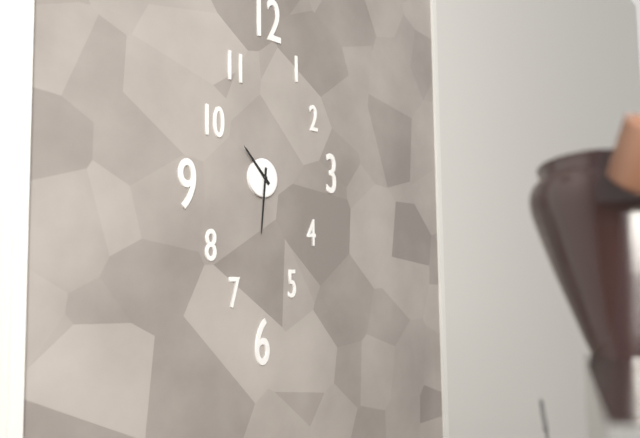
10:31
